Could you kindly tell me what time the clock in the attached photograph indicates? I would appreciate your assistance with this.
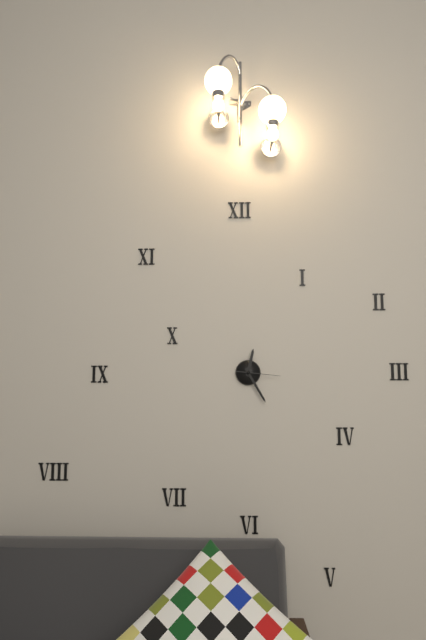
12:25
